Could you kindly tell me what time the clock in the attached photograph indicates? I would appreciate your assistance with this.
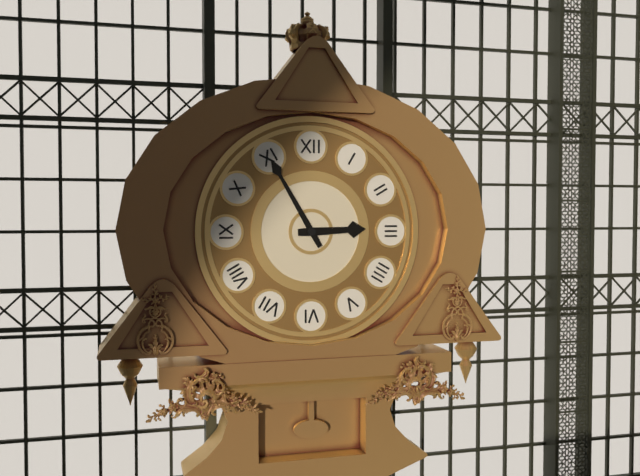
2:55
